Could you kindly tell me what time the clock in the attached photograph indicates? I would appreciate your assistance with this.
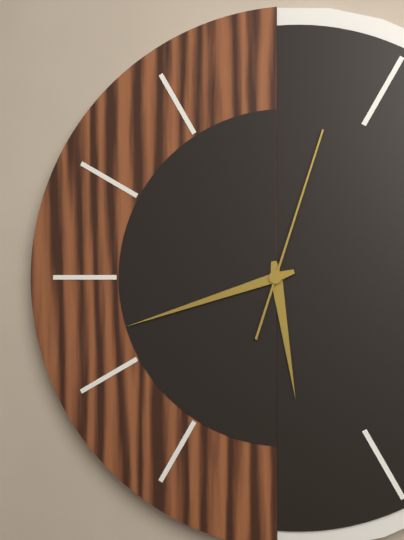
5:42:03
